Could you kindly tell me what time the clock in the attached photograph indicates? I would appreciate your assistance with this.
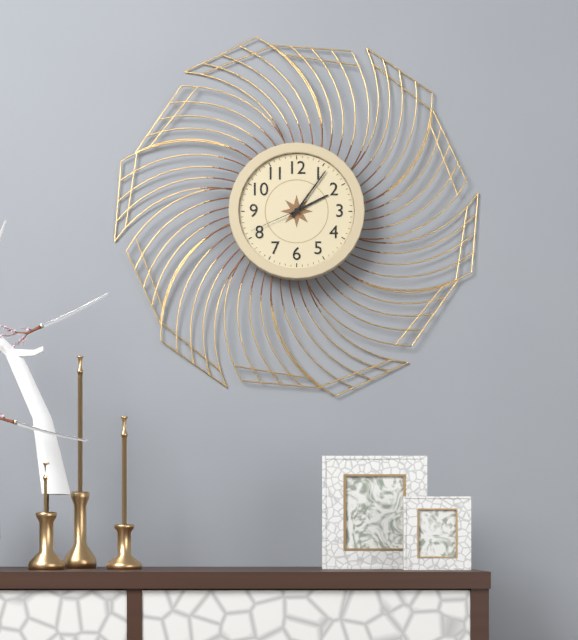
2:06:41
